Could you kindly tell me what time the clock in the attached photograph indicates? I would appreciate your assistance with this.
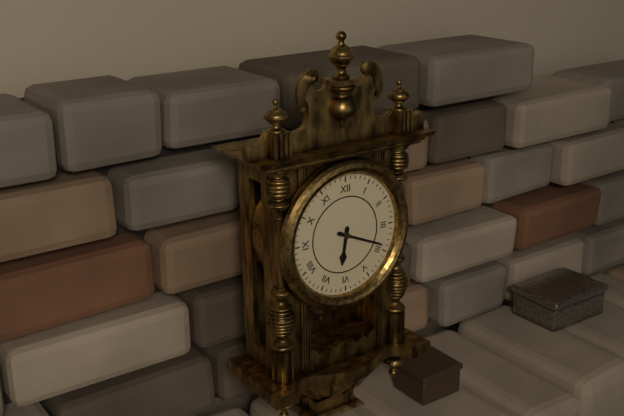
6:19
